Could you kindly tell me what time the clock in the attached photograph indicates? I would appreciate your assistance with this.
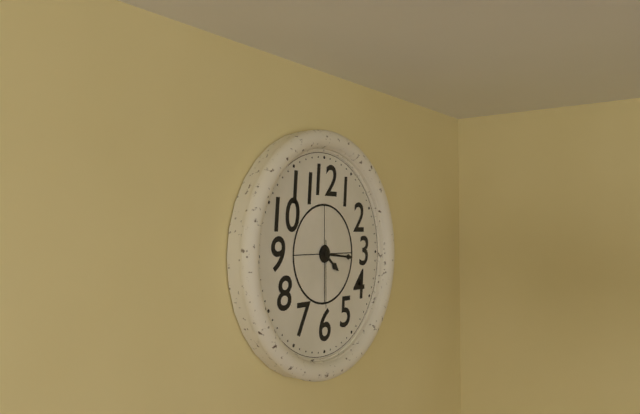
4:16:30
